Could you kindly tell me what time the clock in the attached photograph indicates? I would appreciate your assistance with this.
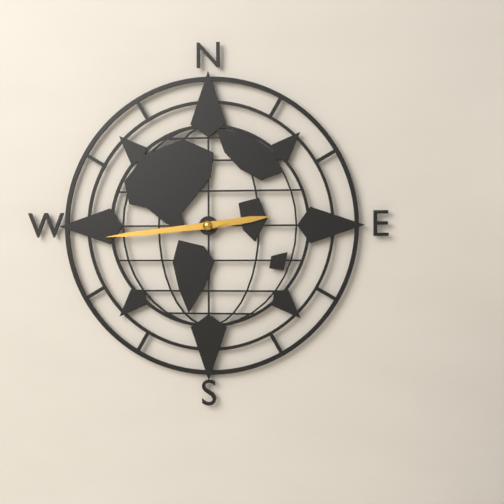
2:44
